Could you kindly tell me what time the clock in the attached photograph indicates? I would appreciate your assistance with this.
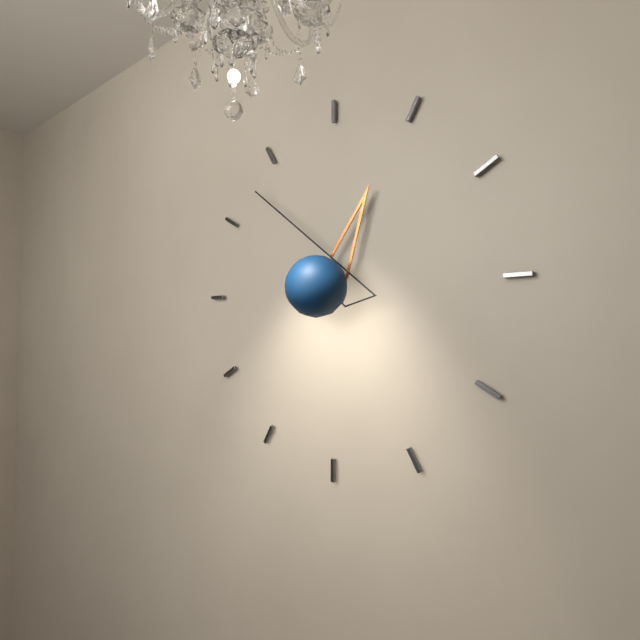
12:53
